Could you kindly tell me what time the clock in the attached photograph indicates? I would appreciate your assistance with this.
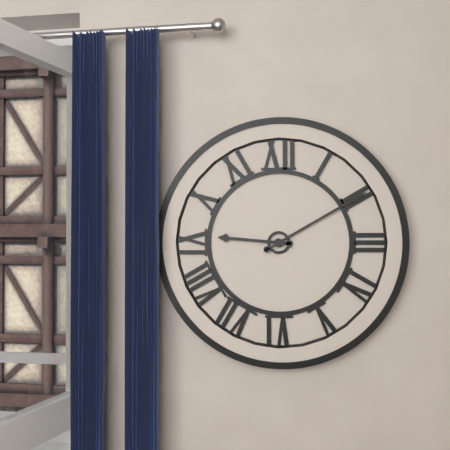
9:10
